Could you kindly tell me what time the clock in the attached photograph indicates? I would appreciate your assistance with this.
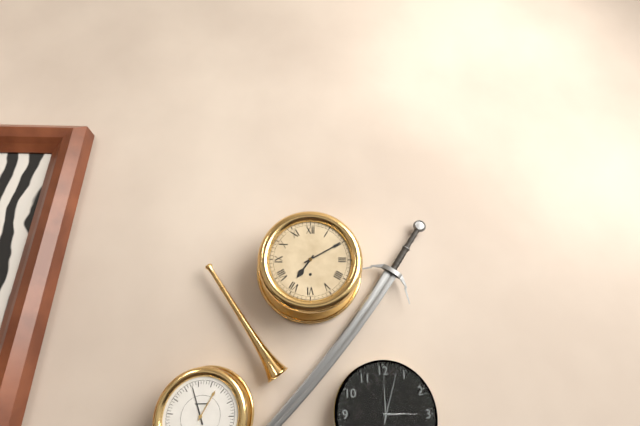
7:10
